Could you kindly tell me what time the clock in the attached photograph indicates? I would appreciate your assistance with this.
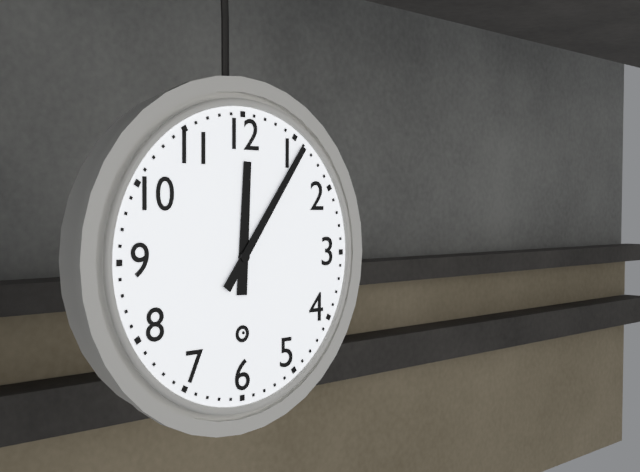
12:06
